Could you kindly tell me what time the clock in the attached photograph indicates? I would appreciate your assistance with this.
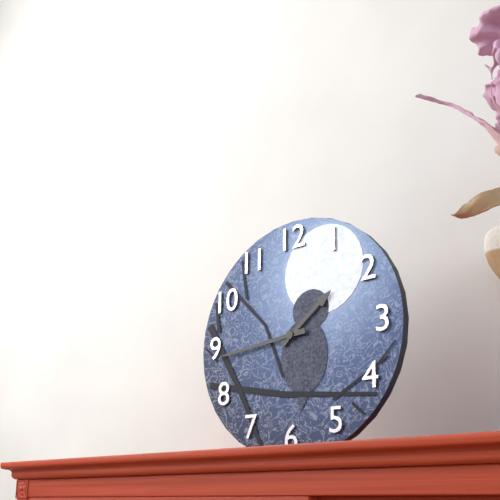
1:44
